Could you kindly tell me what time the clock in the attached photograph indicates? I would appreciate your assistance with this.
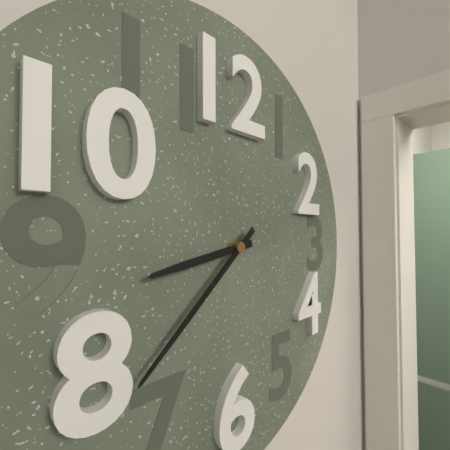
8:38
